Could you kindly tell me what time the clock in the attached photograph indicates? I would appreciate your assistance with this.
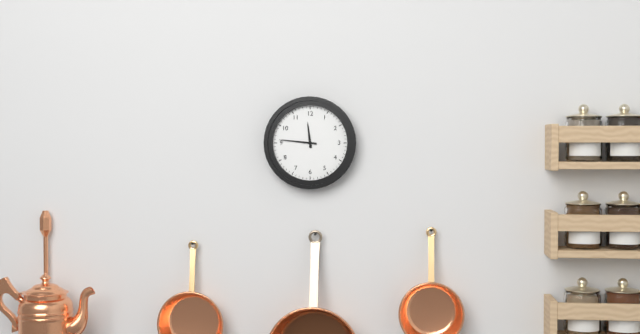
11:46
